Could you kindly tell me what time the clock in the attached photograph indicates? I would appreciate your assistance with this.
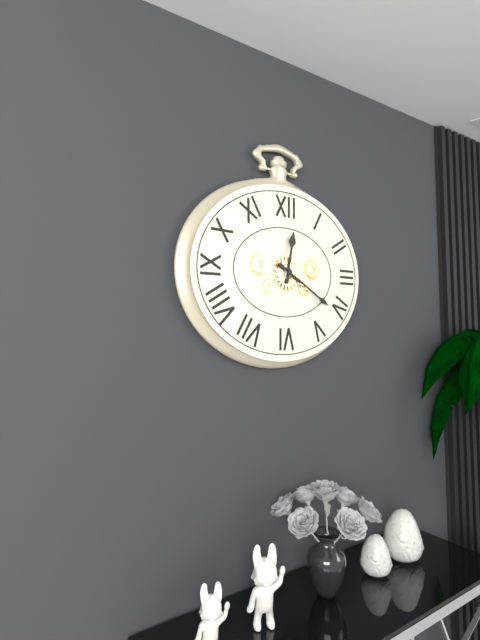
12:20
